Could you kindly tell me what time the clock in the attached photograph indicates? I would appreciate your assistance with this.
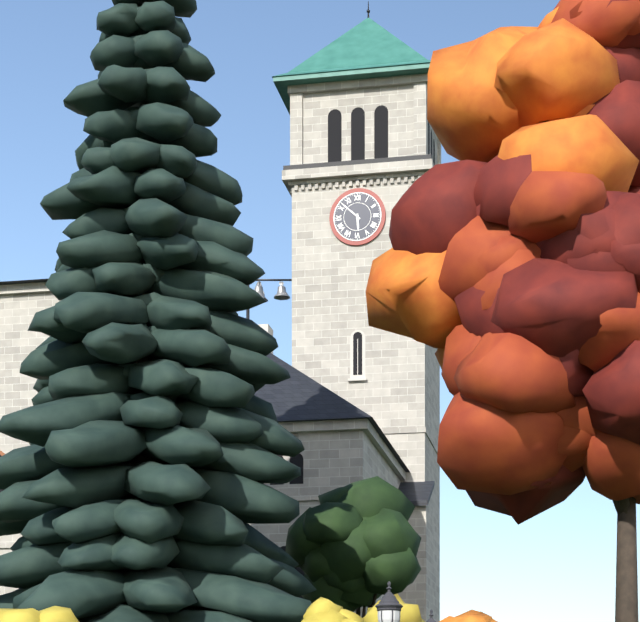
5:52
